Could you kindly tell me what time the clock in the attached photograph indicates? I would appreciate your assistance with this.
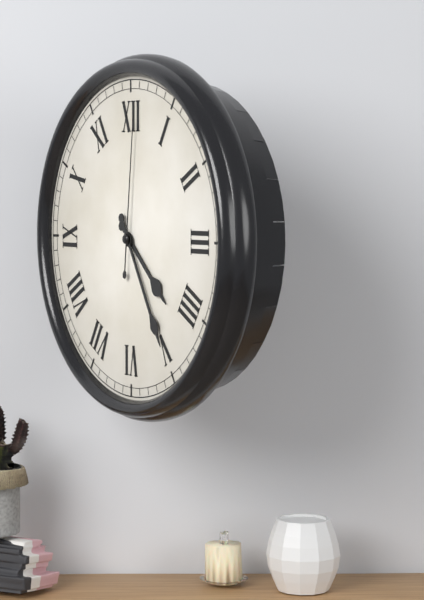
4:25:01
